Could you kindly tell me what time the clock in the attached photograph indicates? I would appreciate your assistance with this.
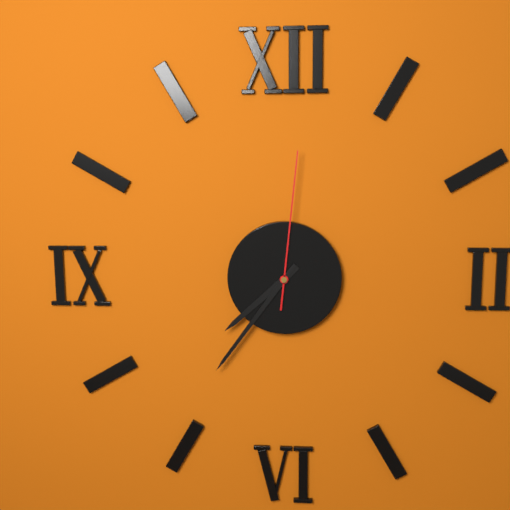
7:36:01
